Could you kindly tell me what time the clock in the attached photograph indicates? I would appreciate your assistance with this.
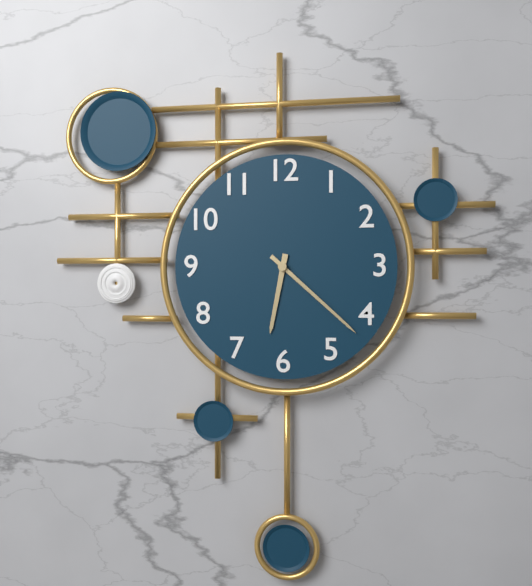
6:22
